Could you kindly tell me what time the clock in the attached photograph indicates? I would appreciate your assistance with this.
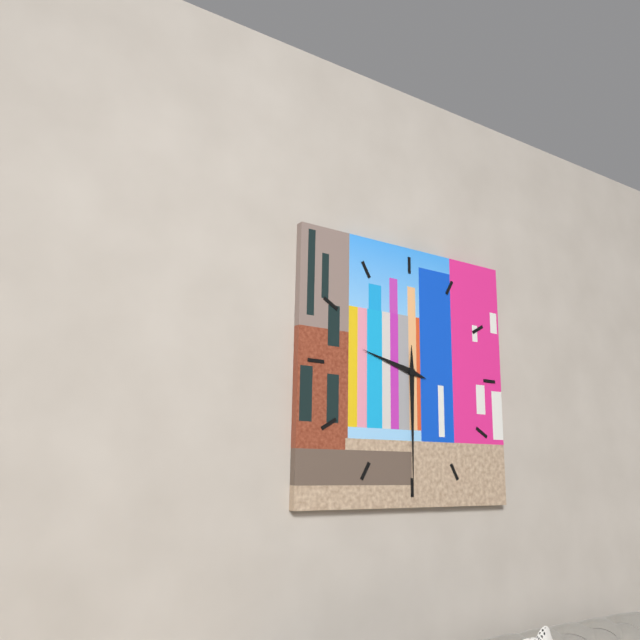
9:30
